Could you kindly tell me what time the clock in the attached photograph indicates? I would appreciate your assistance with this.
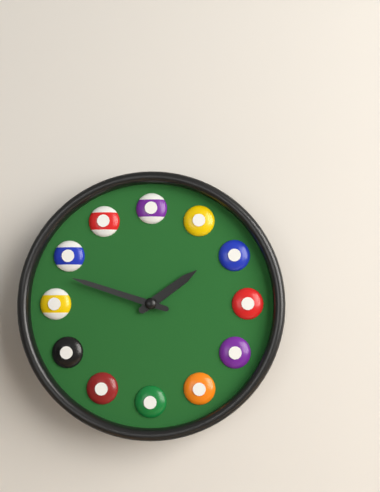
1:48
